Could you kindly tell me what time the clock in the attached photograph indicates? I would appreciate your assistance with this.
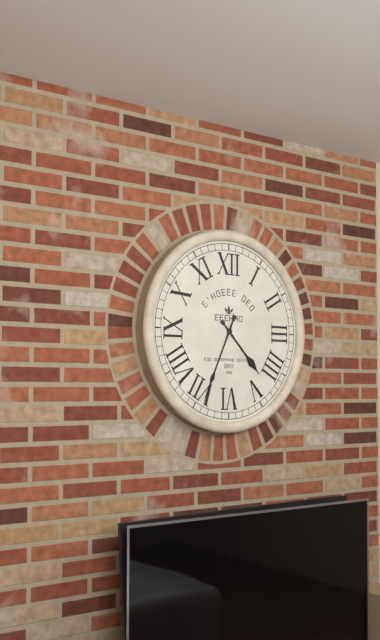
4:34
